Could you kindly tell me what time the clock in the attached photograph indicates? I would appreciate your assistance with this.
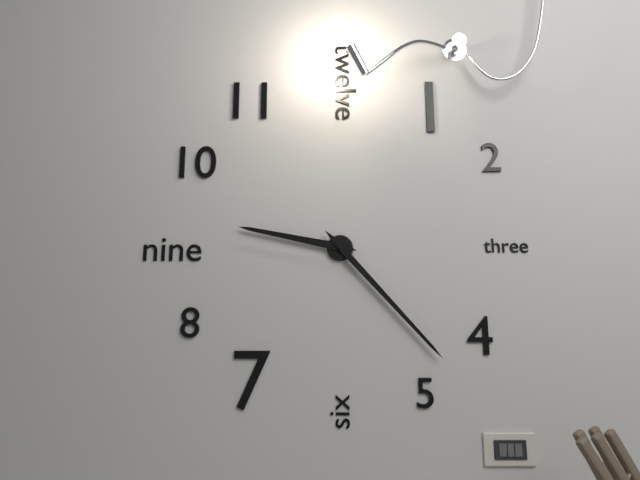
9:23
